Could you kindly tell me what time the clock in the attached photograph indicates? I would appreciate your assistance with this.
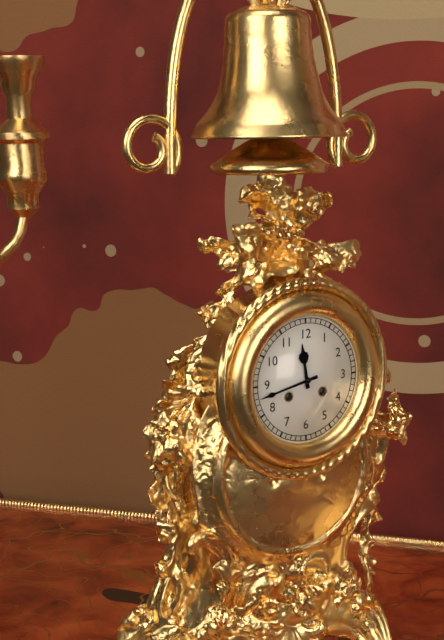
11:43
